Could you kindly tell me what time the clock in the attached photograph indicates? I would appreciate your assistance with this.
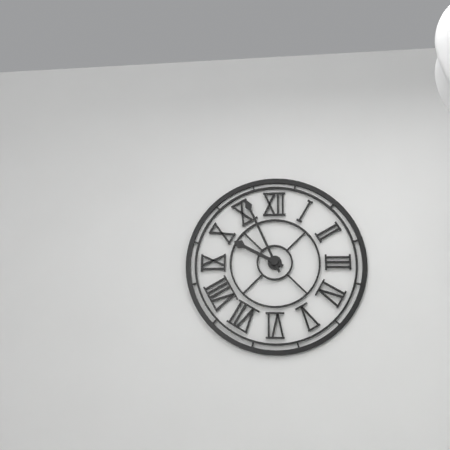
9:56
